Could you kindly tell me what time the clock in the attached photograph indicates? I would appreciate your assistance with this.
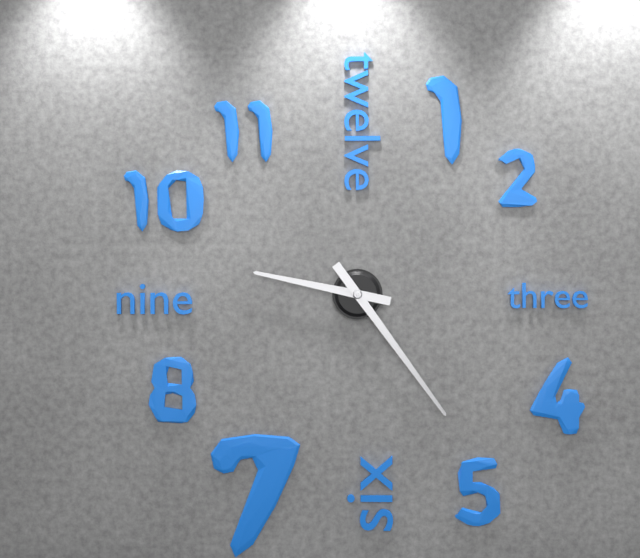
9:24
